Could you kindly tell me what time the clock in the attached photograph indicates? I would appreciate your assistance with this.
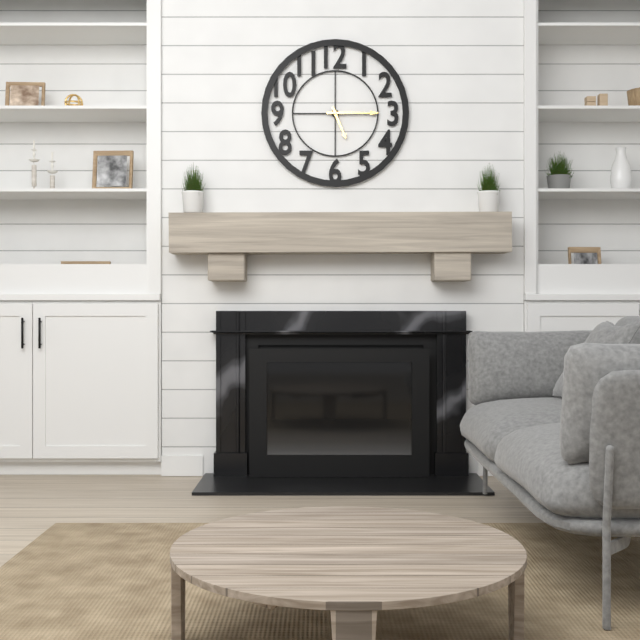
5:15
